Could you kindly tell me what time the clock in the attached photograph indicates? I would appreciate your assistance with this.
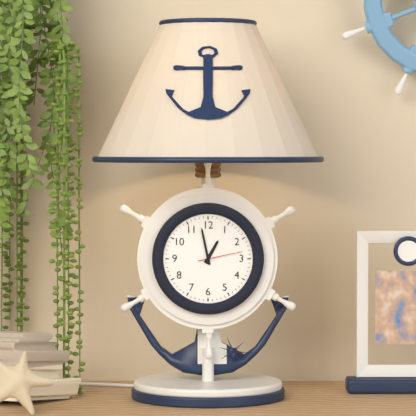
12:58
